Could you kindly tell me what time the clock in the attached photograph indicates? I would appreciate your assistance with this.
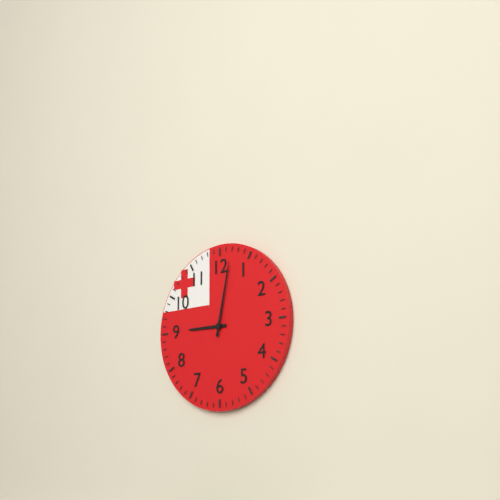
9:02
